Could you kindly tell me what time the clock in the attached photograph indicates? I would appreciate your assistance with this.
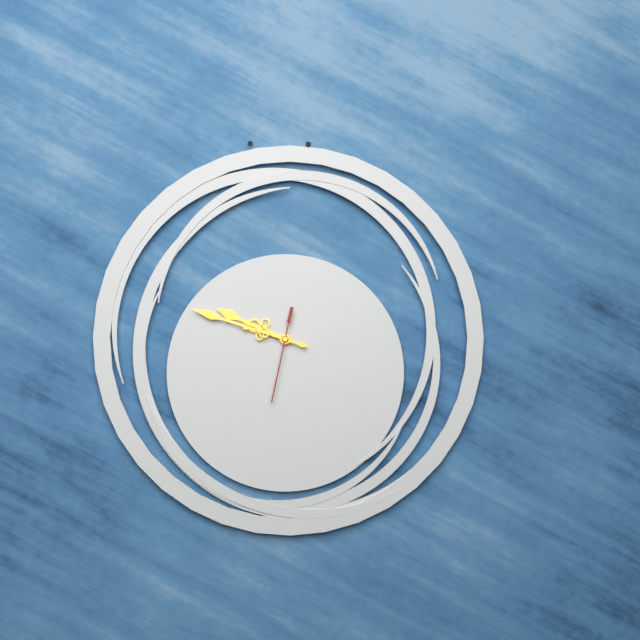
9:48:32
